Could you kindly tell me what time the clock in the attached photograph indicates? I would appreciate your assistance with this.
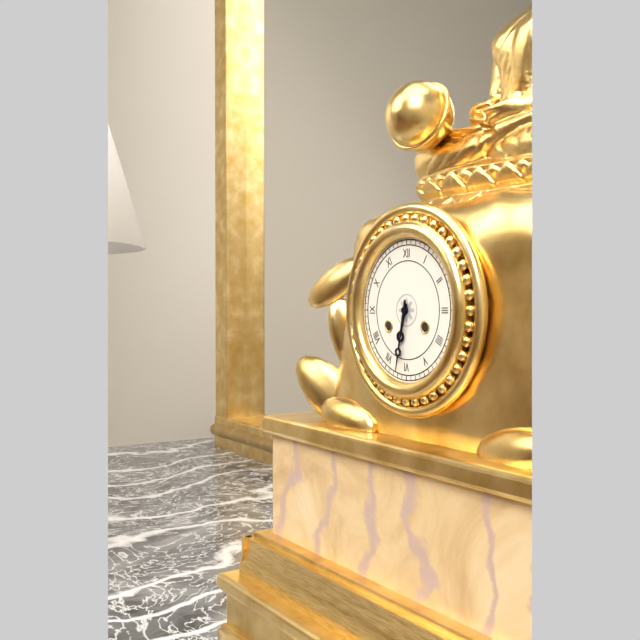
6:32
